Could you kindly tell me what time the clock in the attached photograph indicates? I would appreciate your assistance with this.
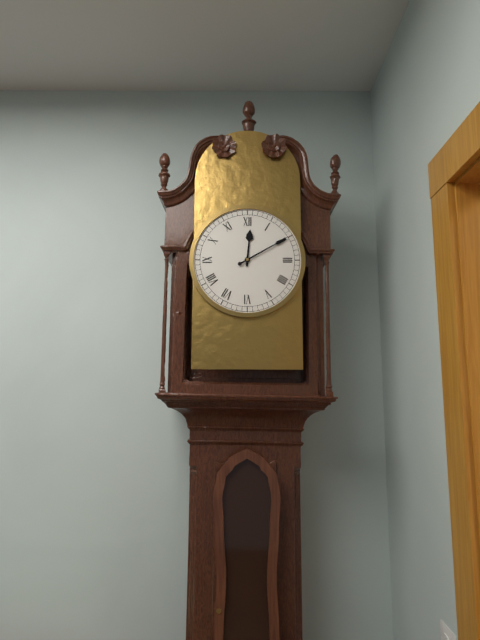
12:10
